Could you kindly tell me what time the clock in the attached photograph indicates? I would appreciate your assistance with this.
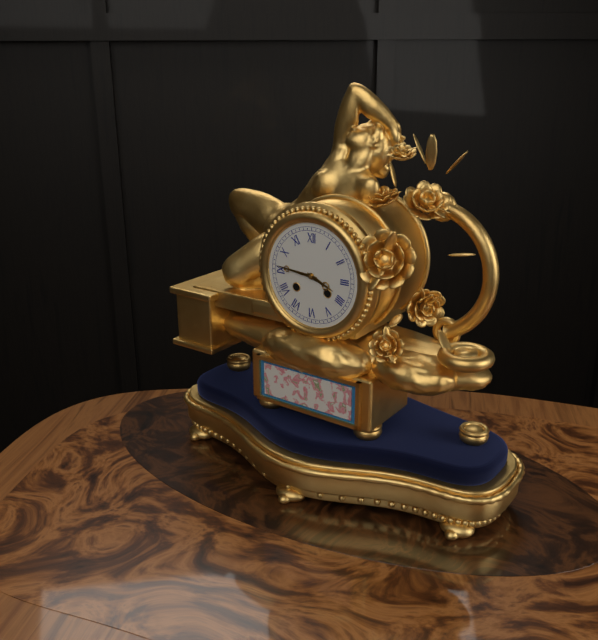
3:46
